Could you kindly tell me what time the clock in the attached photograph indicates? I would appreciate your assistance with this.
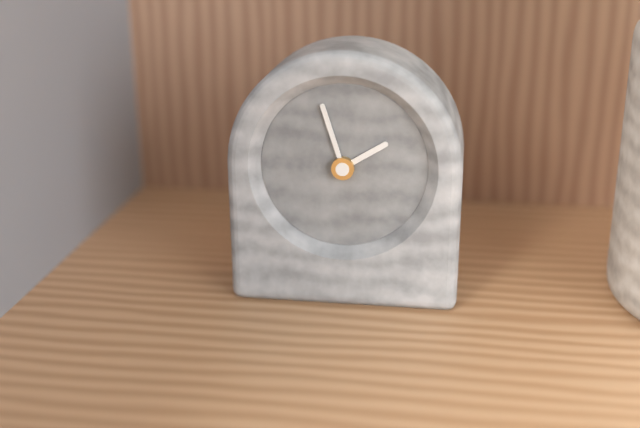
1:57
